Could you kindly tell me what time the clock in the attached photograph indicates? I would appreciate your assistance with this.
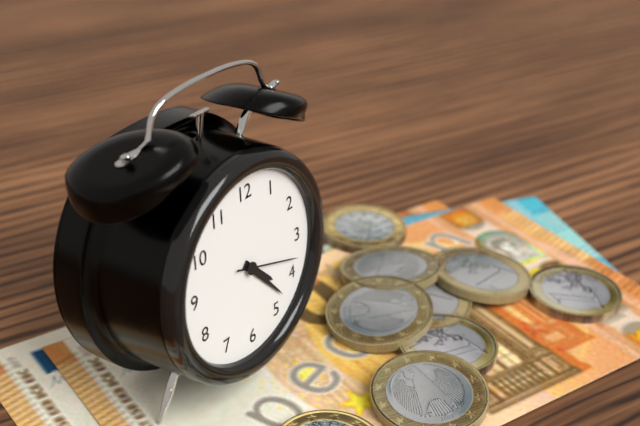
4:23:18
